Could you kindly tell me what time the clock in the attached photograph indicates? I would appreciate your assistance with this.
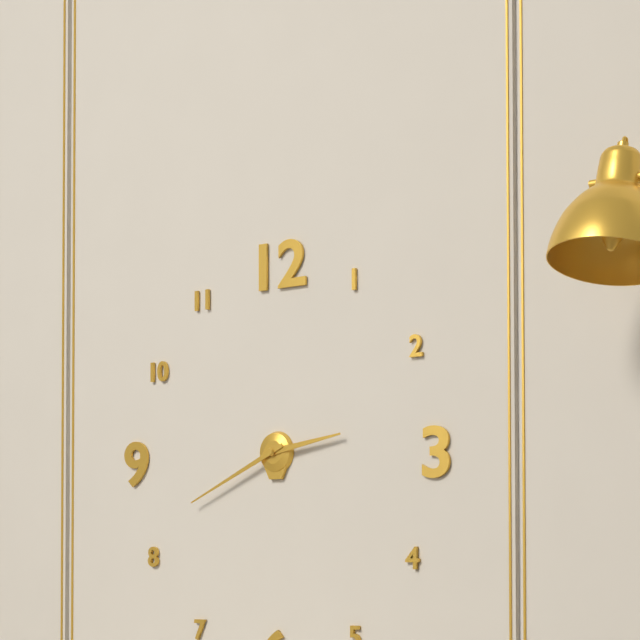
2:41
